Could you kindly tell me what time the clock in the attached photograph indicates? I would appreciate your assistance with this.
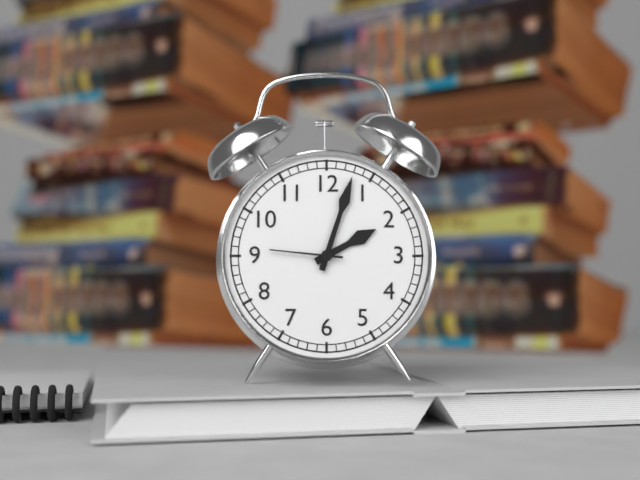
2:03:46
